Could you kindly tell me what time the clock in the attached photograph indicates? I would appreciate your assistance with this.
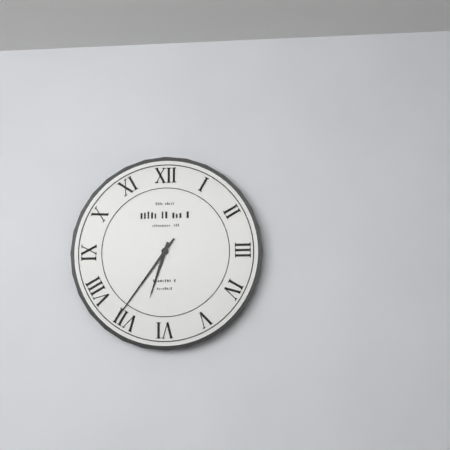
6:36
